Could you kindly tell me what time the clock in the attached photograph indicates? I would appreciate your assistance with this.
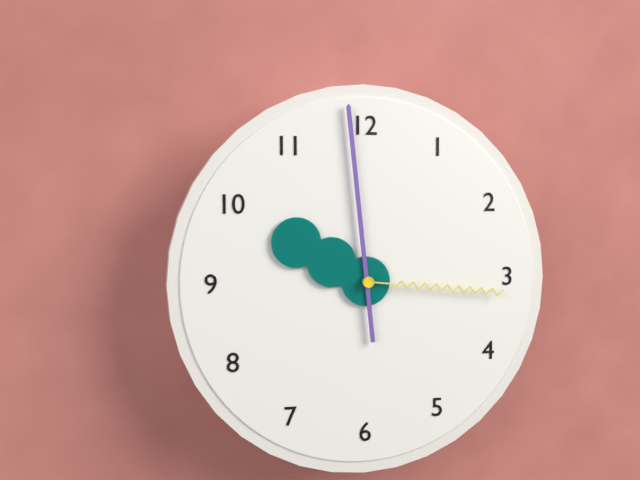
9:59:16
